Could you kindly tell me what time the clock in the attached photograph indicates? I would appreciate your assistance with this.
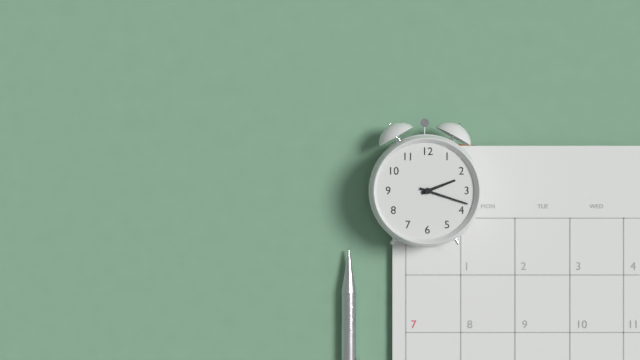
2:18
